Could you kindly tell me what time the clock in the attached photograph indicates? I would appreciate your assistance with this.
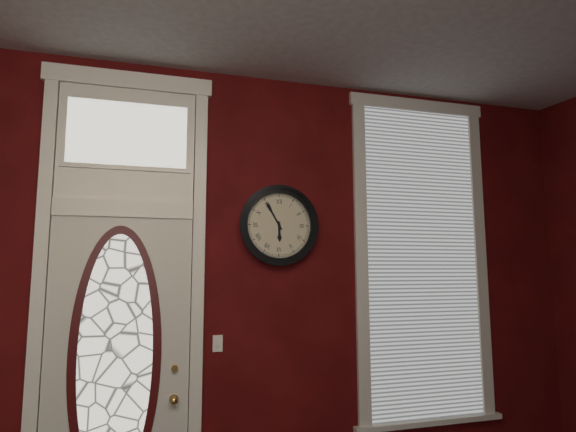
5:55
